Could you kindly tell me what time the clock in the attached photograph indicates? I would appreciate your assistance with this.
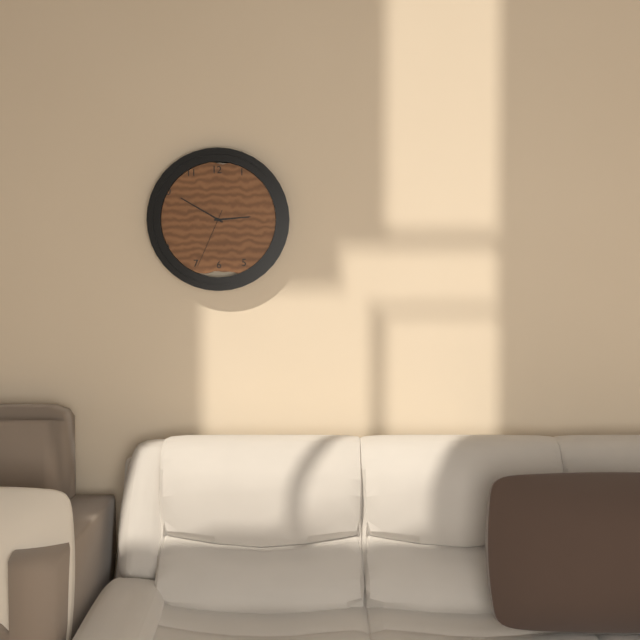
2:50:34
